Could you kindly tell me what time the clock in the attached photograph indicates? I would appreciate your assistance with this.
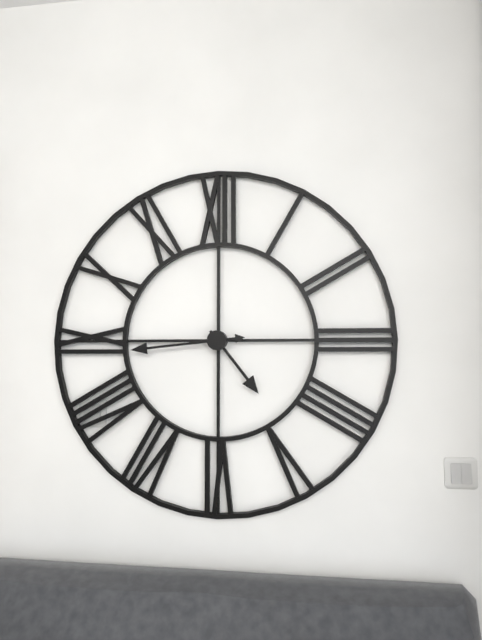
4:44
